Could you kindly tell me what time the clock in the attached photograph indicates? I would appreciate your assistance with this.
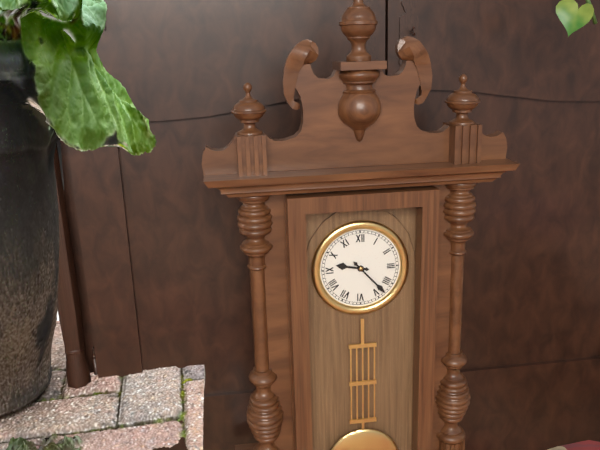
9:23
